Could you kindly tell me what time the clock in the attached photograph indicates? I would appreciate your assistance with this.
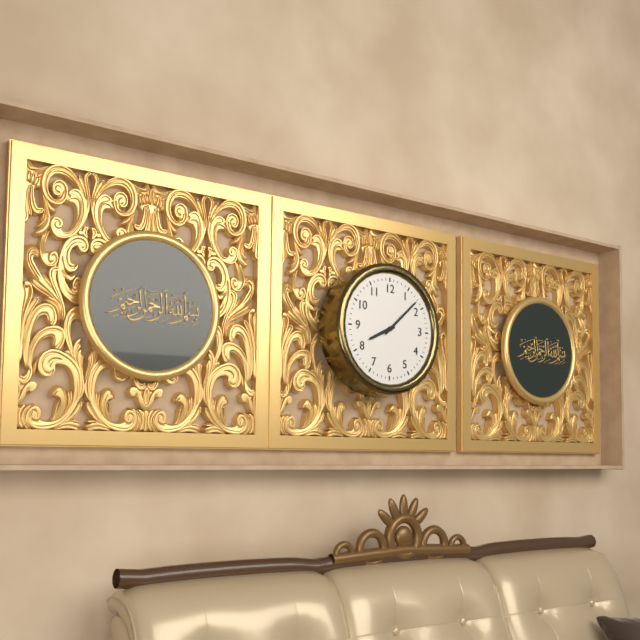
8:08
